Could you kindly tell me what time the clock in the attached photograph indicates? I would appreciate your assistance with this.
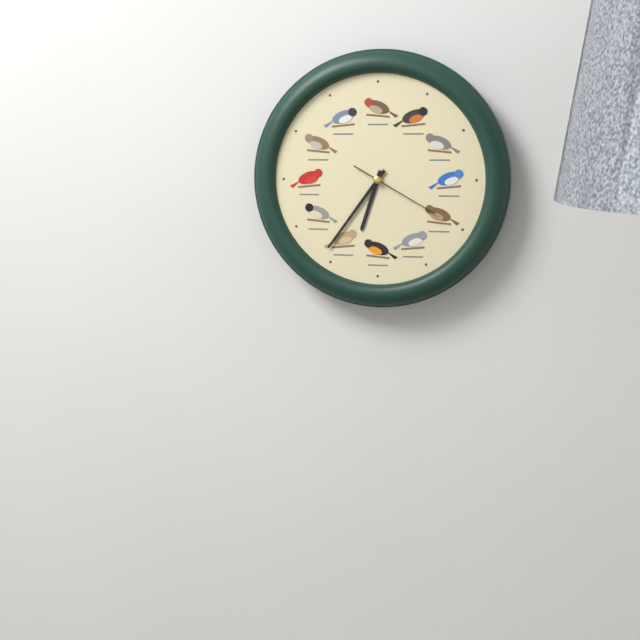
6:36:20
